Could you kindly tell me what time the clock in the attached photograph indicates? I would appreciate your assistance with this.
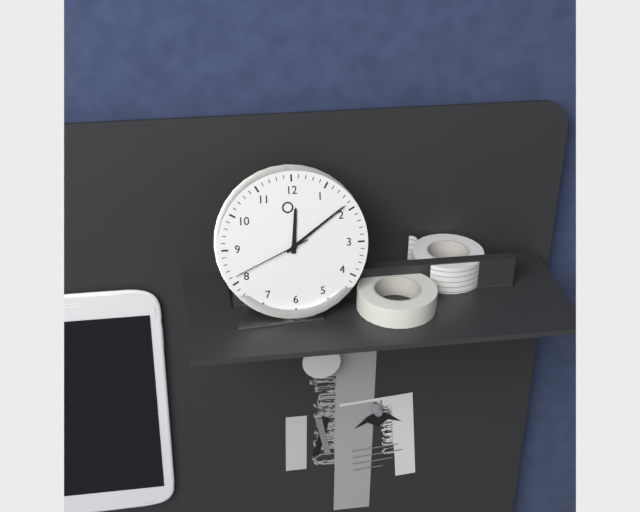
12:09:41
